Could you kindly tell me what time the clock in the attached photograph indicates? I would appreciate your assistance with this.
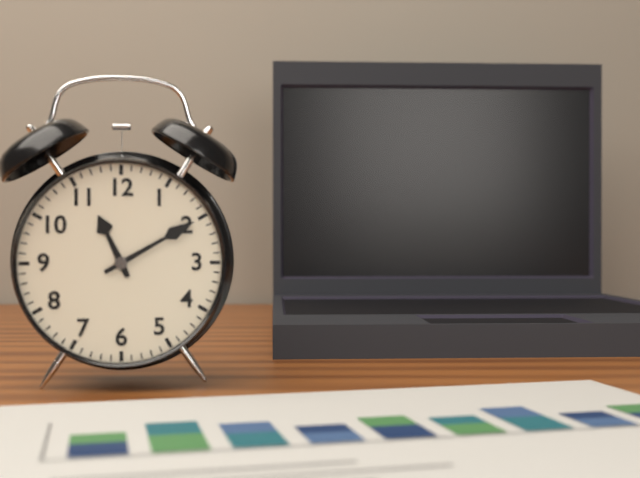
11:10
